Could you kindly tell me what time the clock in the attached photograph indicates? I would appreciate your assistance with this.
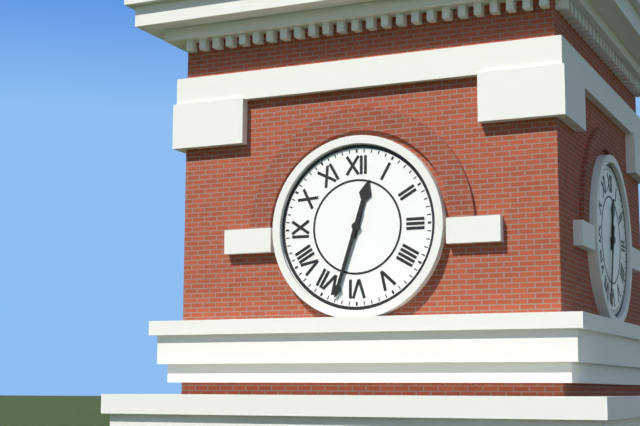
12:33
